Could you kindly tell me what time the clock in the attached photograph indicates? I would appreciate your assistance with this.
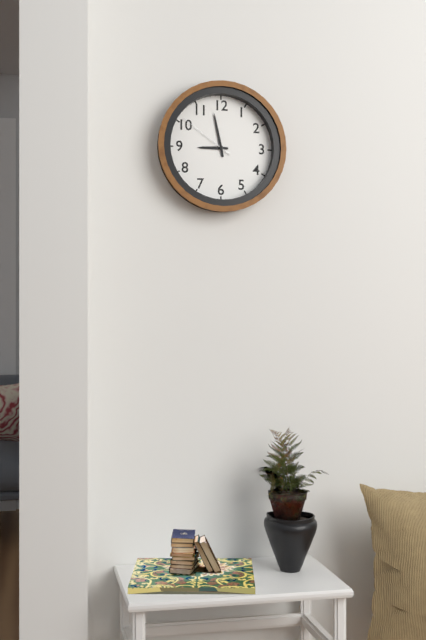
8:58:51
